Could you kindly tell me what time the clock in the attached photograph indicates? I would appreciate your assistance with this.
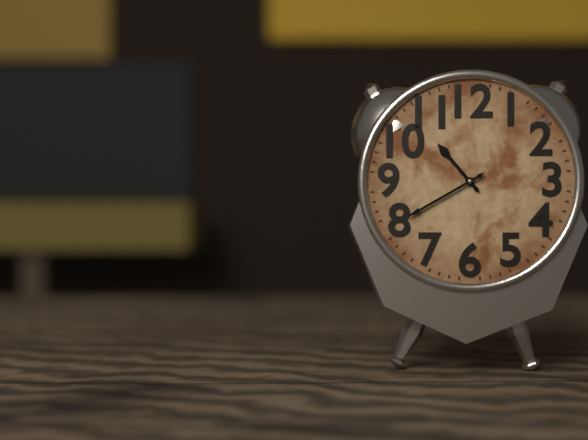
10:40
